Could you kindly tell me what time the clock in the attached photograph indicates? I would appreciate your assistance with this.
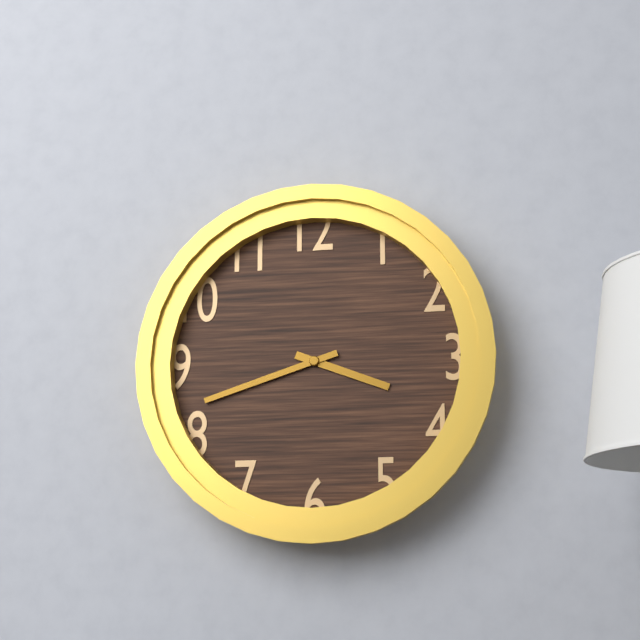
3:42
